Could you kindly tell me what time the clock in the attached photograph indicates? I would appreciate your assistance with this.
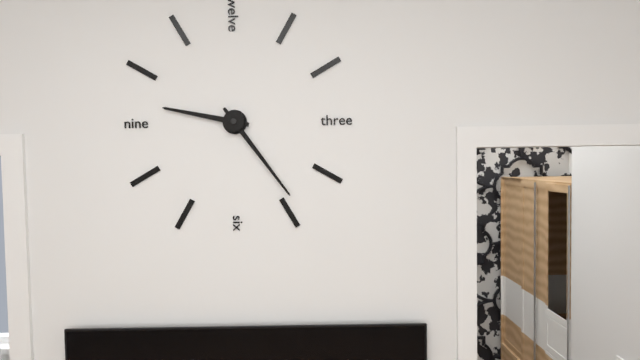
9:24
